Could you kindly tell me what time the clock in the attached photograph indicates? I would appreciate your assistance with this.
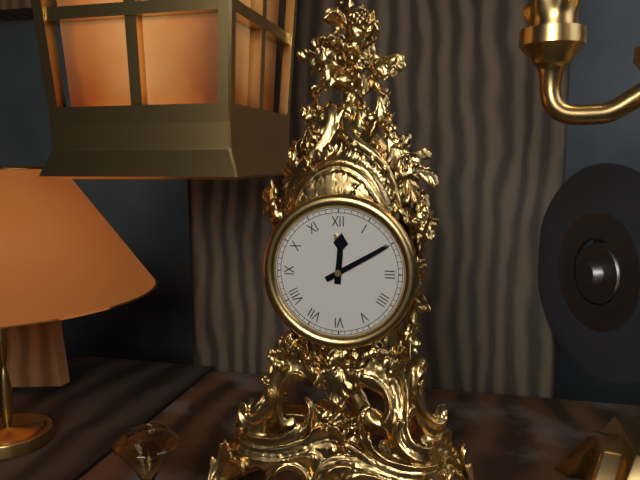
12:10
